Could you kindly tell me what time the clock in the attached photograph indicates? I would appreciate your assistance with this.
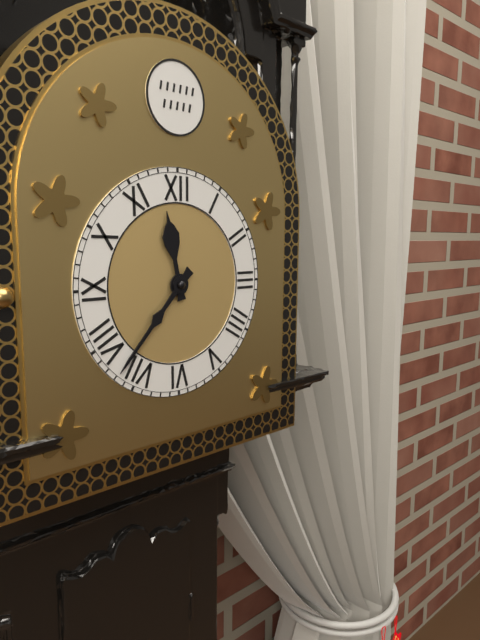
11:37
